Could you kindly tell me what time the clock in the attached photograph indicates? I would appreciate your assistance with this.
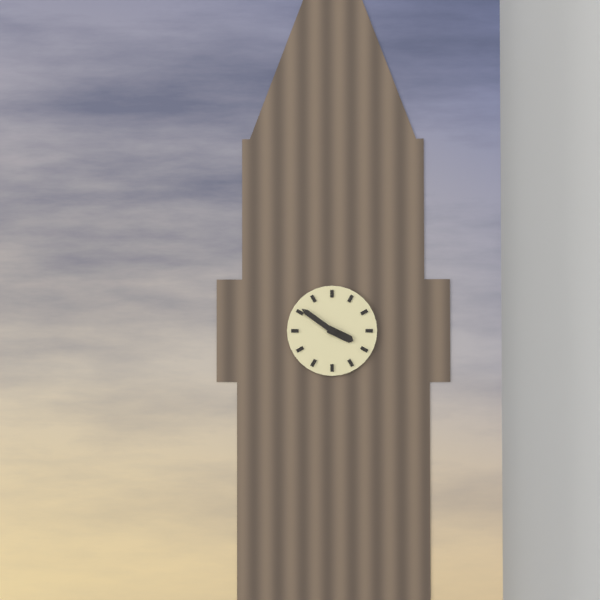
3:51
